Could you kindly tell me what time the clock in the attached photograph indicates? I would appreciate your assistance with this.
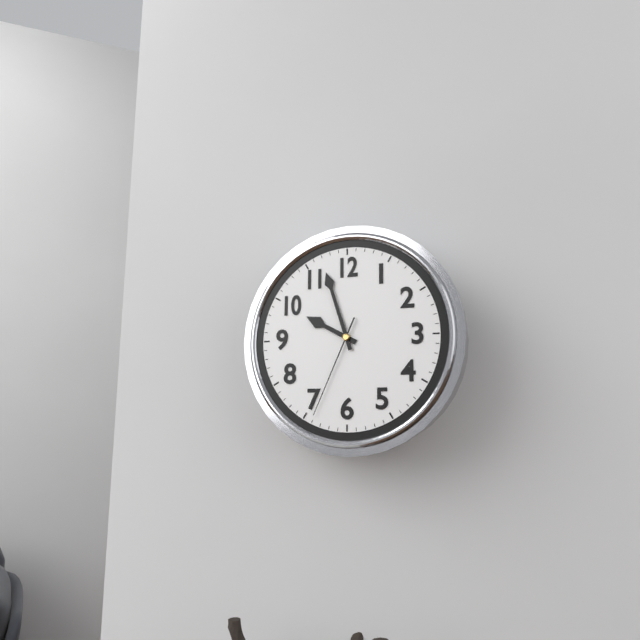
9:57:34
